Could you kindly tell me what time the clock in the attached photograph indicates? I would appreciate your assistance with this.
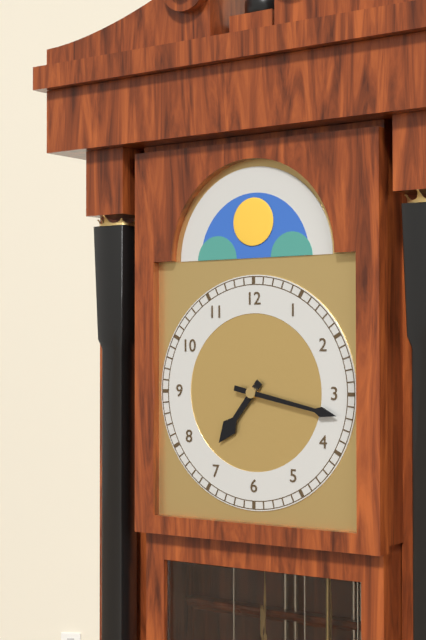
7:17
